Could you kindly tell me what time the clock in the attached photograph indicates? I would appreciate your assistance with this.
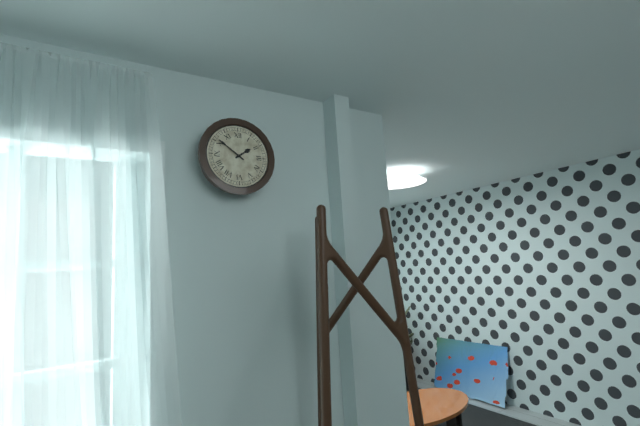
1:51
